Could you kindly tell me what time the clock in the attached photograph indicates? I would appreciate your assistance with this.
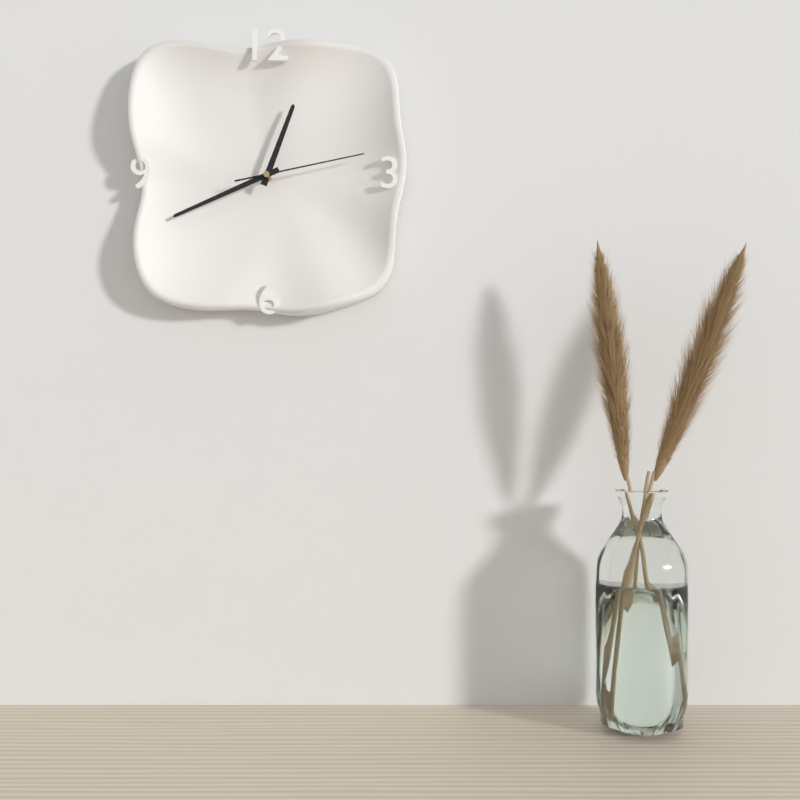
12:41:13
